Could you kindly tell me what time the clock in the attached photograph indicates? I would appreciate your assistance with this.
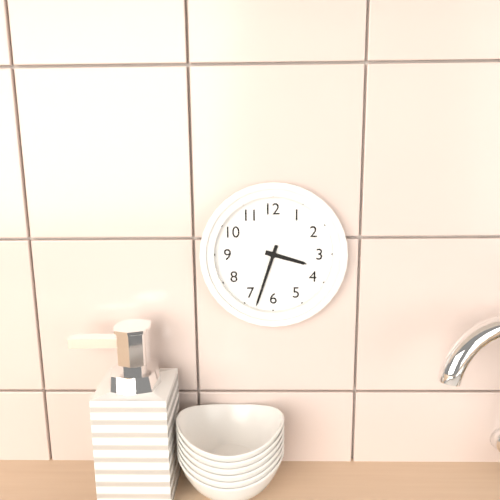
3:33
